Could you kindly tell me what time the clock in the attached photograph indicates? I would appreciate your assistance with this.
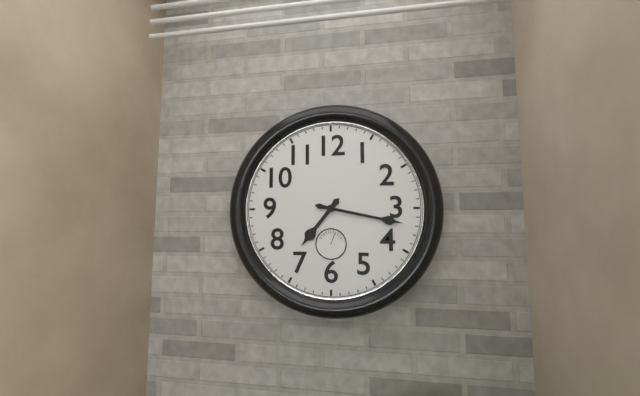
7:17
